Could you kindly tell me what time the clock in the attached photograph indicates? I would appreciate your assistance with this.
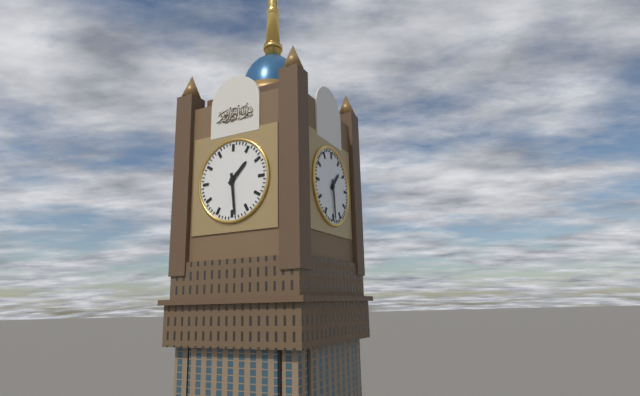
1:29
